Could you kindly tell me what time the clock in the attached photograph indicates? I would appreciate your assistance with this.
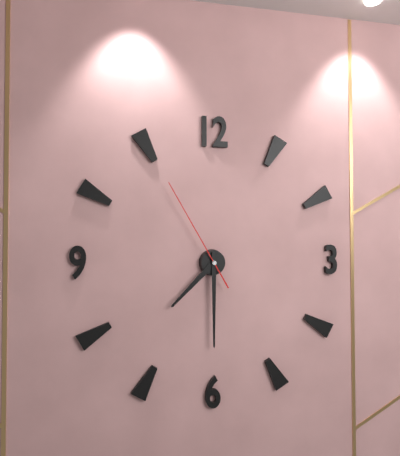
7:30:55
